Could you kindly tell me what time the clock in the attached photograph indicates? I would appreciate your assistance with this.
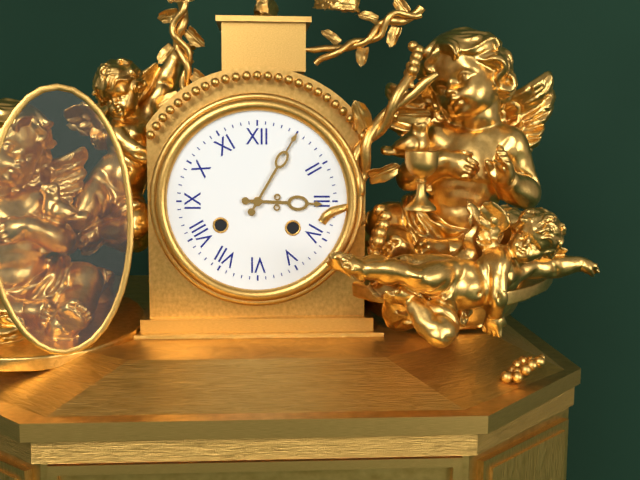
3:05
